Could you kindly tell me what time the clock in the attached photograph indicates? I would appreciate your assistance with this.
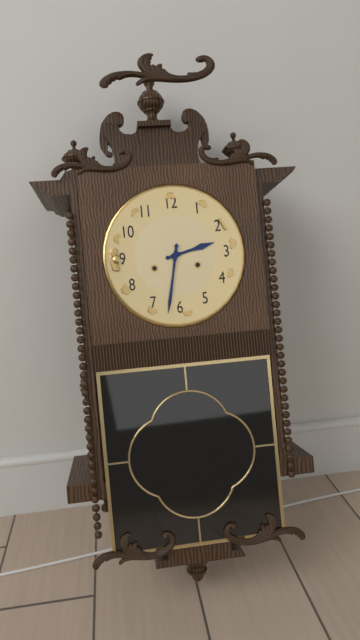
2:32
